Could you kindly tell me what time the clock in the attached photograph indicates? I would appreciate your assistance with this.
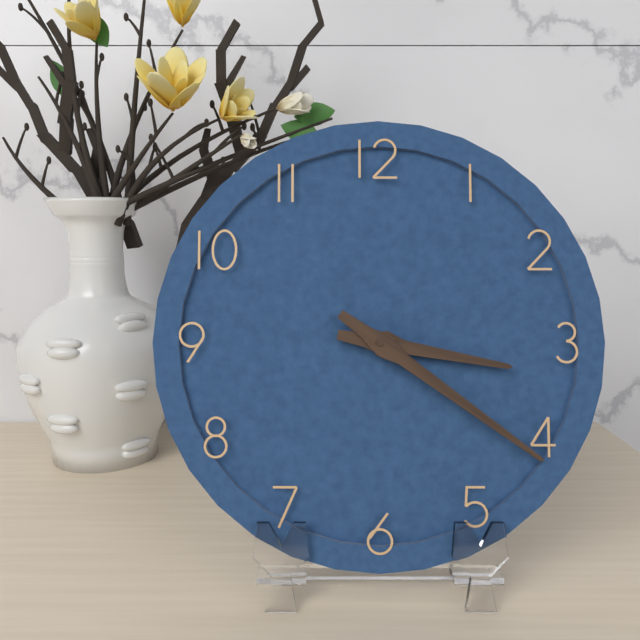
3:21
